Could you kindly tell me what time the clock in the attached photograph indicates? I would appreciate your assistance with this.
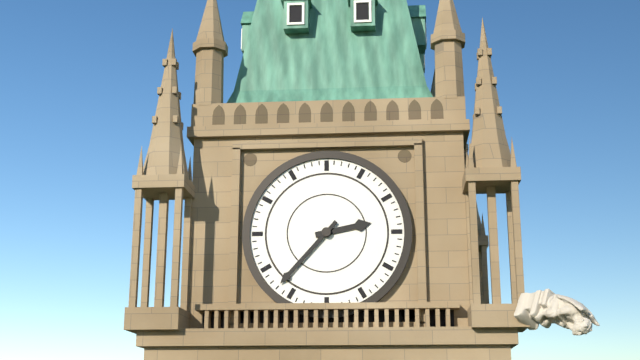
2:37
